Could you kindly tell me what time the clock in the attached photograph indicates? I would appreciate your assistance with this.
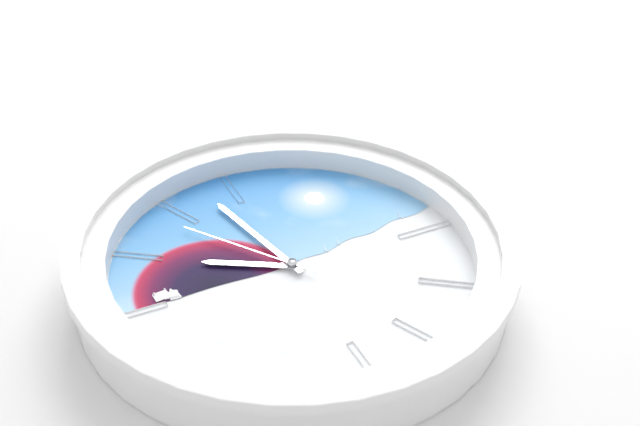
9:58:54
